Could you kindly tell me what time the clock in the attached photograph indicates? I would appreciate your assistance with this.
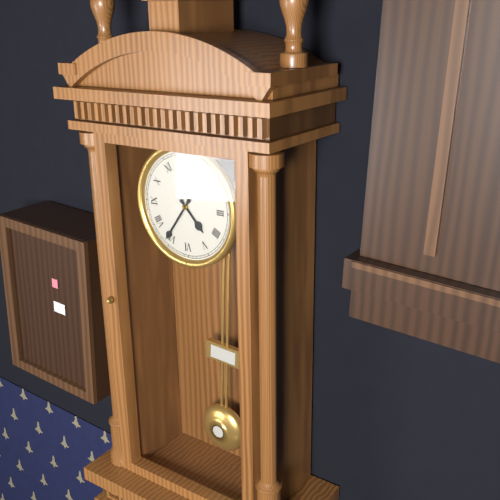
4:36
